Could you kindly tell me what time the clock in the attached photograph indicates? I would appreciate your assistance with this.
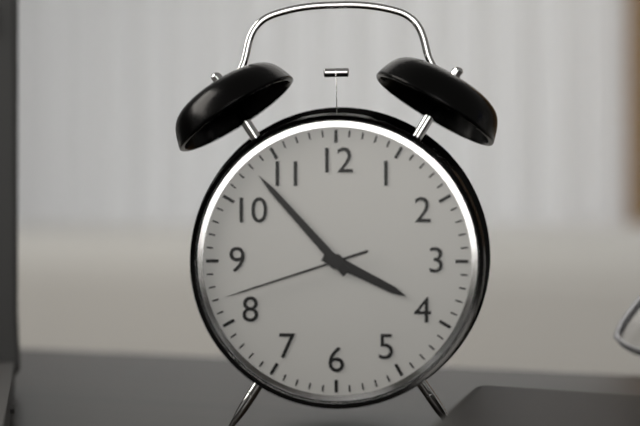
3:53:42
